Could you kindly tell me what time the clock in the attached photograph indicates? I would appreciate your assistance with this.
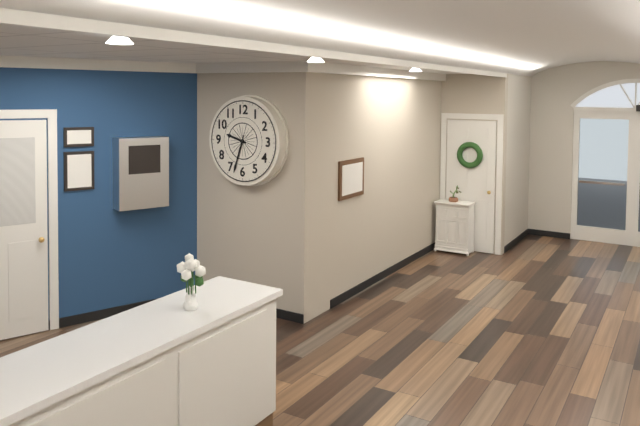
9:33
